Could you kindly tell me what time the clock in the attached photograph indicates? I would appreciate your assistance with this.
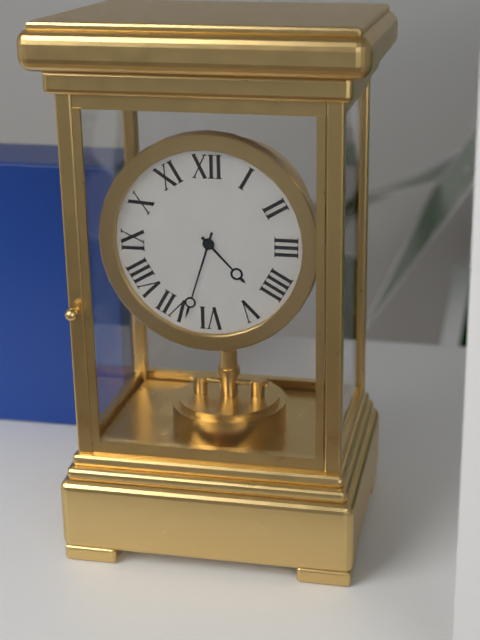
4:33
